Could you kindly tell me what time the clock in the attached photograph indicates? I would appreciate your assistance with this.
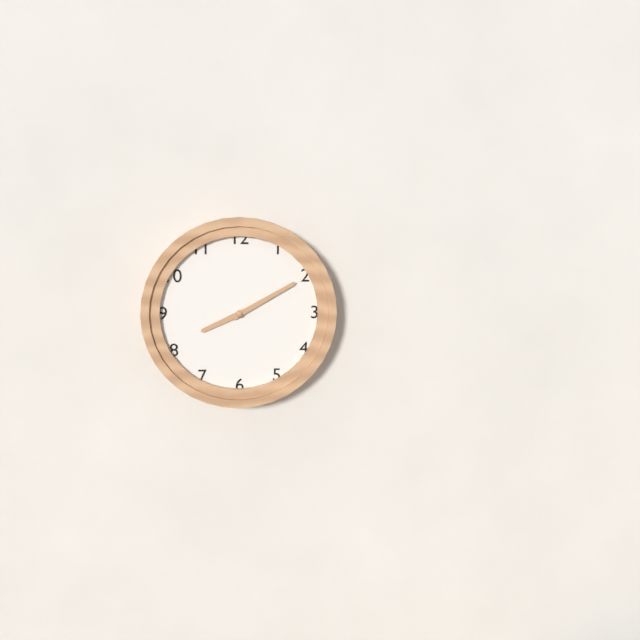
8:10
